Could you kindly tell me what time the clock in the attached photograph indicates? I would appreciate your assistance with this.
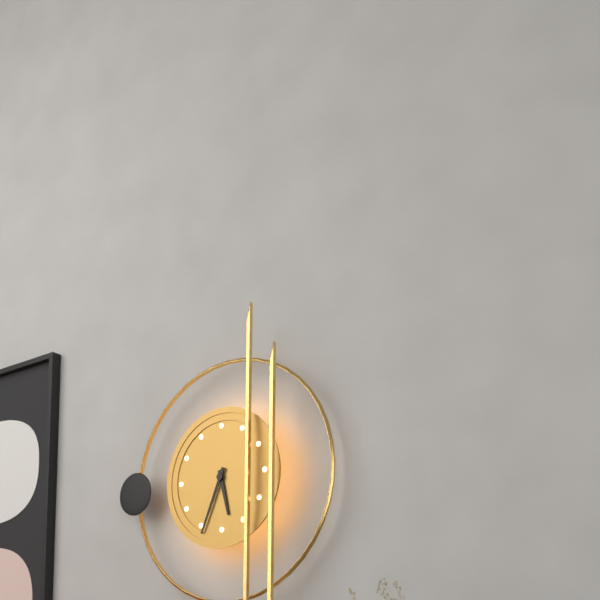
5:34
